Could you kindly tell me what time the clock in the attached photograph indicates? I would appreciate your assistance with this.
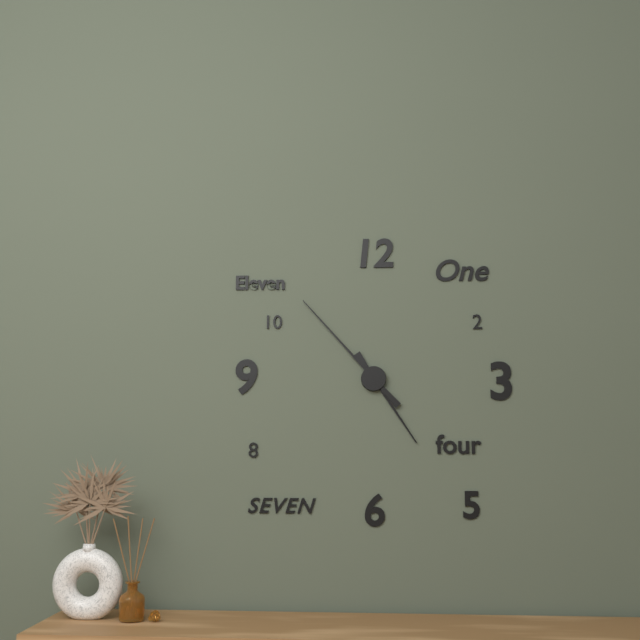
4:53
